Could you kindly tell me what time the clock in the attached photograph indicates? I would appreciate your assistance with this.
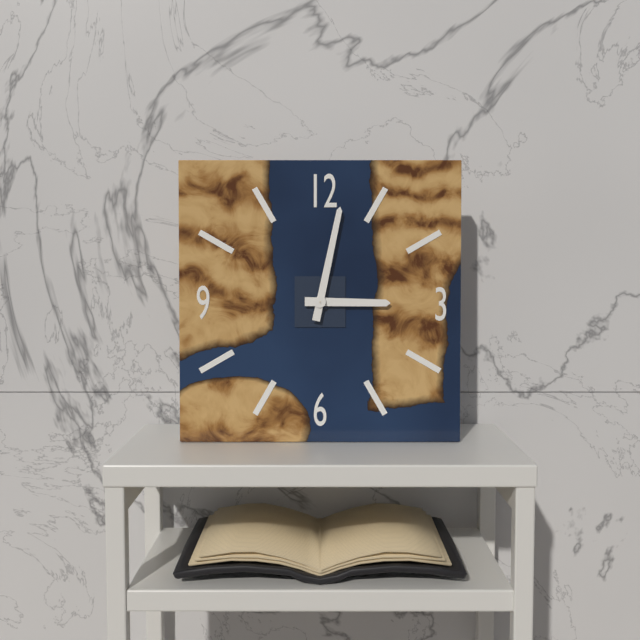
3:02
